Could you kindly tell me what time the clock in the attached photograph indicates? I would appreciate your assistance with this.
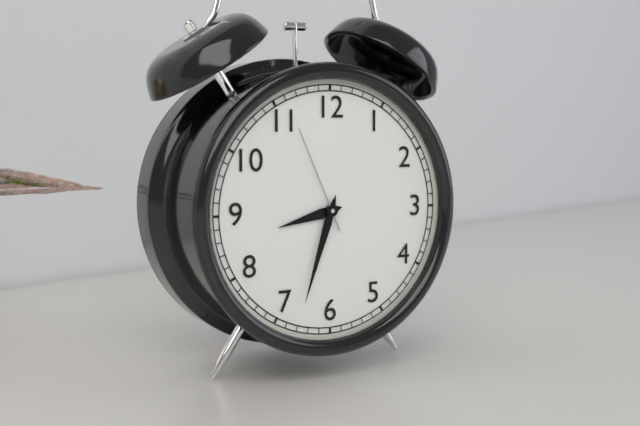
8:33:56
